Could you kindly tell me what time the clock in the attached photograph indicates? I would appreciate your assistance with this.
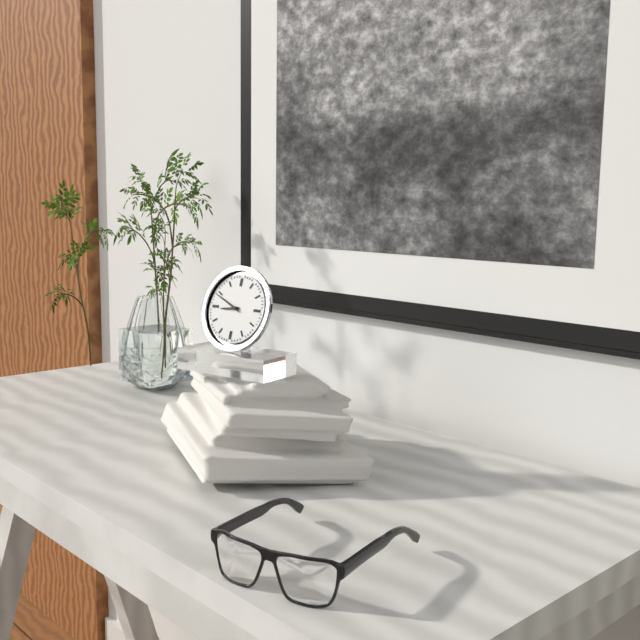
8:49
